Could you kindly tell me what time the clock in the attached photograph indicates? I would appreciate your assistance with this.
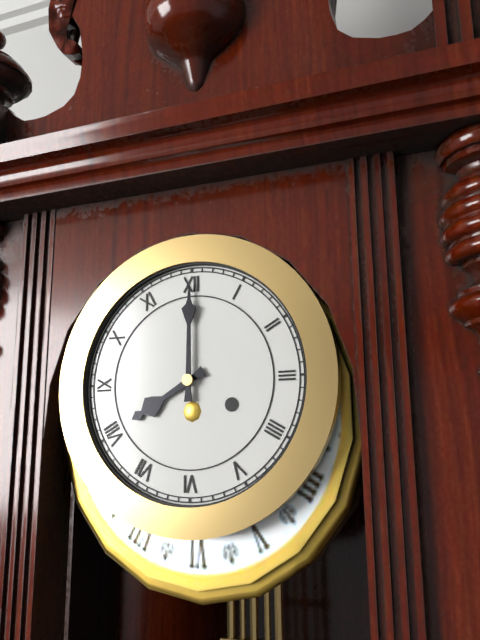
8:00
